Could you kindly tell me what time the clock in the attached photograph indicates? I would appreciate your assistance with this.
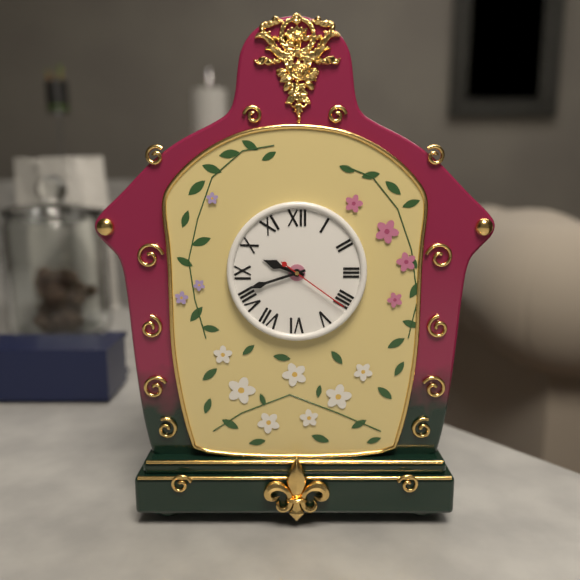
9:42:21
